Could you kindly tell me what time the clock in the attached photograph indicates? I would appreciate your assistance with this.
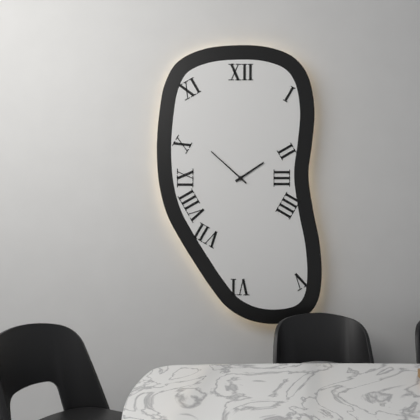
1:52
